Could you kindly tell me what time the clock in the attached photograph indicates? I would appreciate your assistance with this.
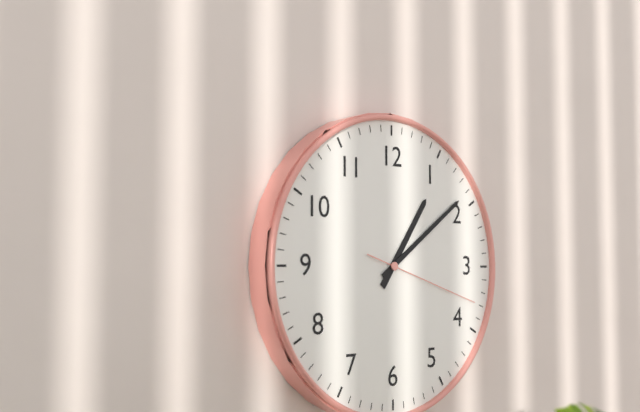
1:09:18
